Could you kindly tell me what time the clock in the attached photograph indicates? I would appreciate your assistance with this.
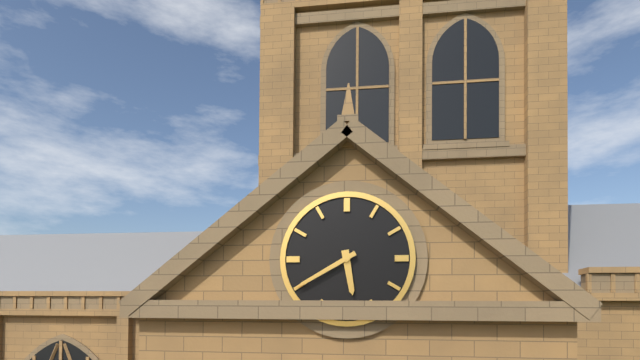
5:40
